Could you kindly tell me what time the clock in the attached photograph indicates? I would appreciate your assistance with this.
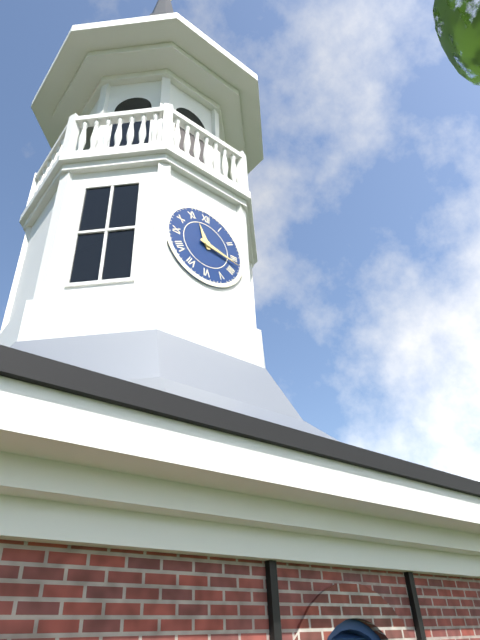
11:17
